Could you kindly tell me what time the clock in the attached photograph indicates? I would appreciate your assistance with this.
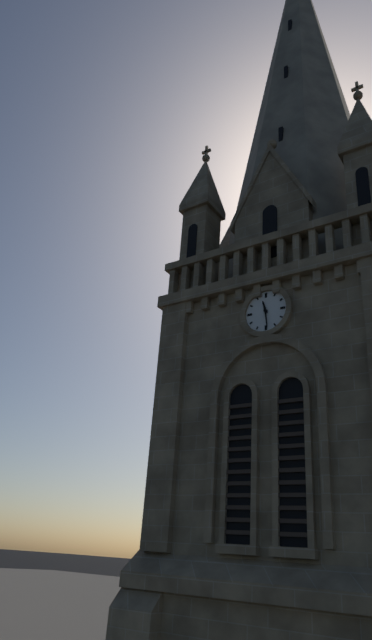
11:29
